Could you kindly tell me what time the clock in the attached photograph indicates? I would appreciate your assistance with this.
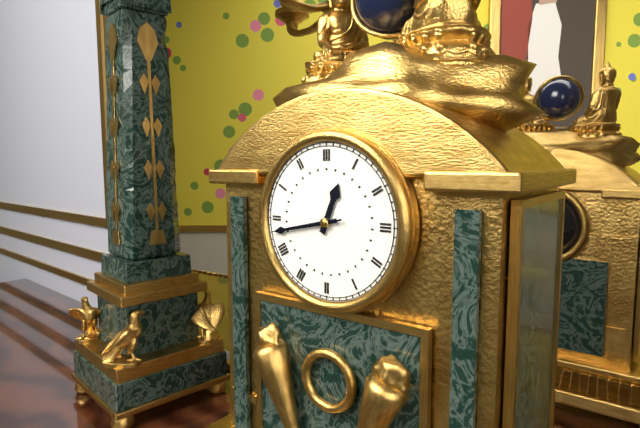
12:43:43
